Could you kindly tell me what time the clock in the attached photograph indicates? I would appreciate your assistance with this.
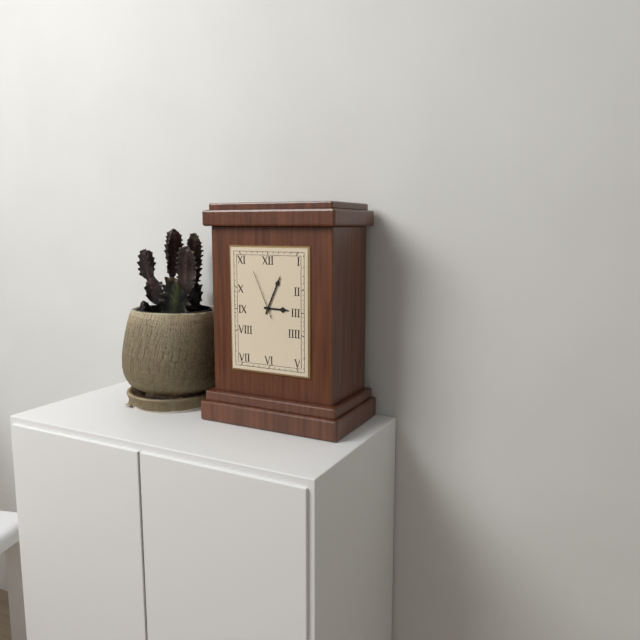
3:04:56
